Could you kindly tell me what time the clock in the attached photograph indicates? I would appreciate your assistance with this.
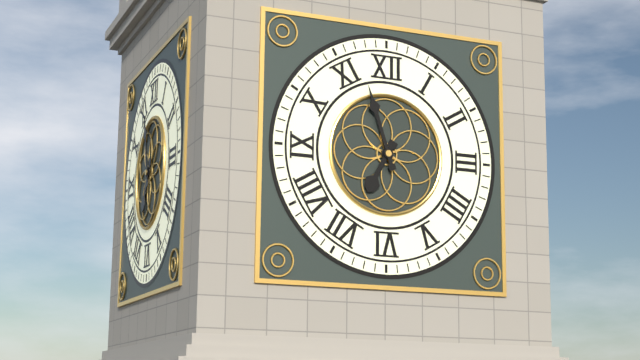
6:57
